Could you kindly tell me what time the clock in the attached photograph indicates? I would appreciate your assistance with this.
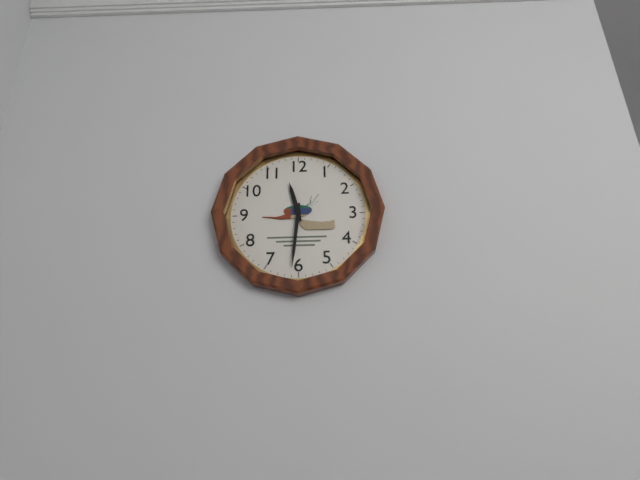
11:31
